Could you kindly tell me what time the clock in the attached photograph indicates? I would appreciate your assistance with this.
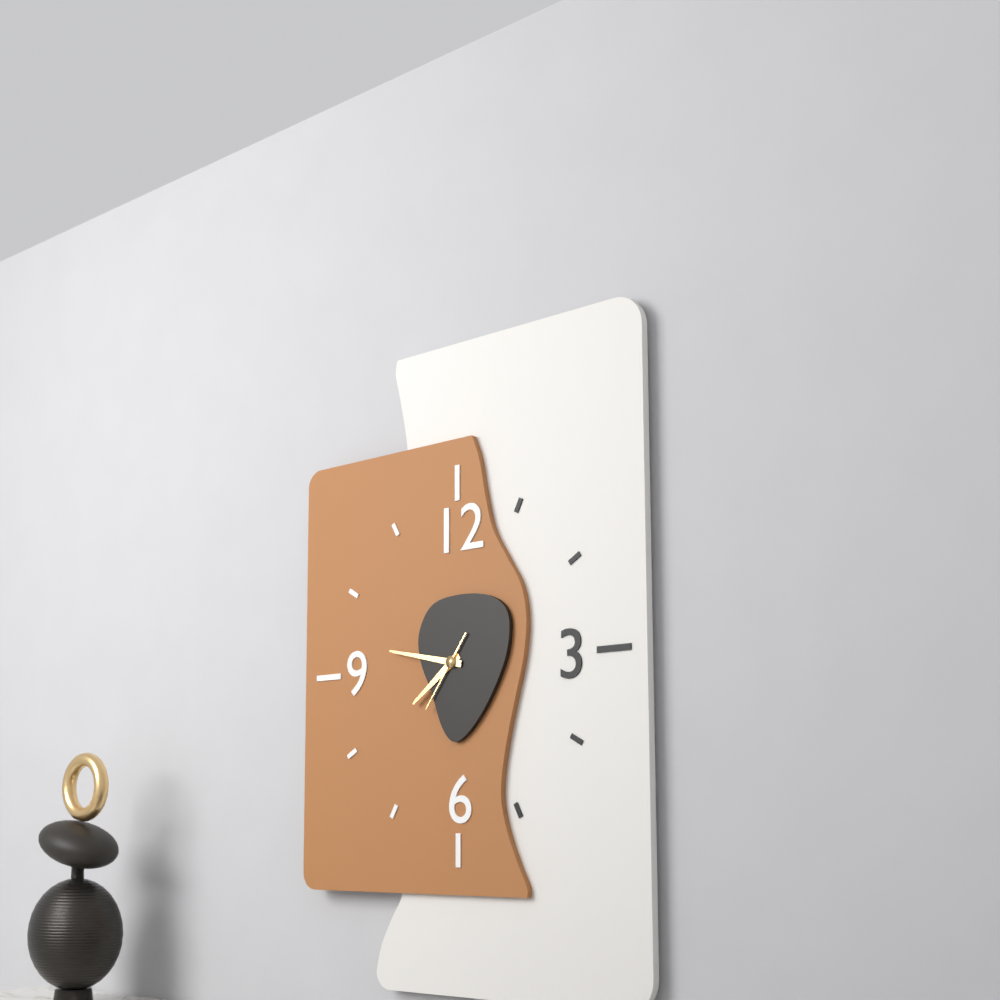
7:47:36
